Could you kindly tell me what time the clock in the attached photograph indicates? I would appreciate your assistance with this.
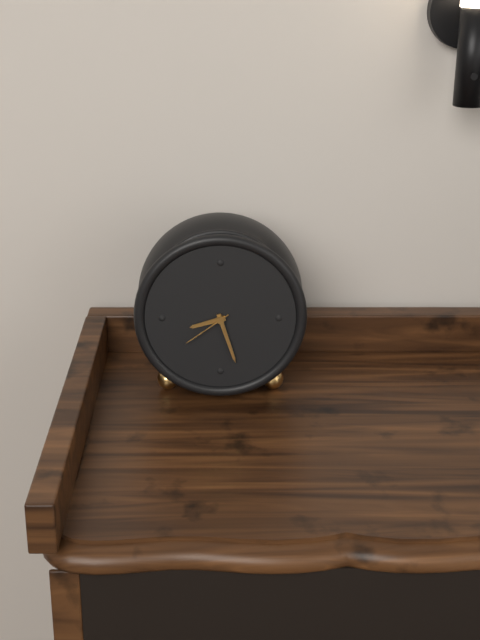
8:27:39
